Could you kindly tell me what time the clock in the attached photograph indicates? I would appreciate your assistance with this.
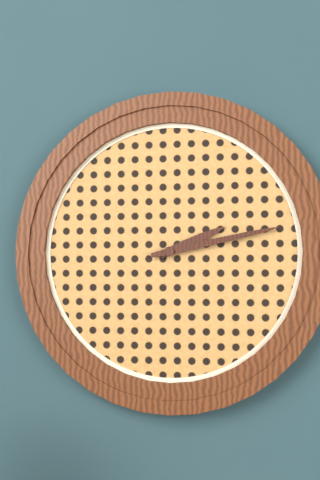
2:13
